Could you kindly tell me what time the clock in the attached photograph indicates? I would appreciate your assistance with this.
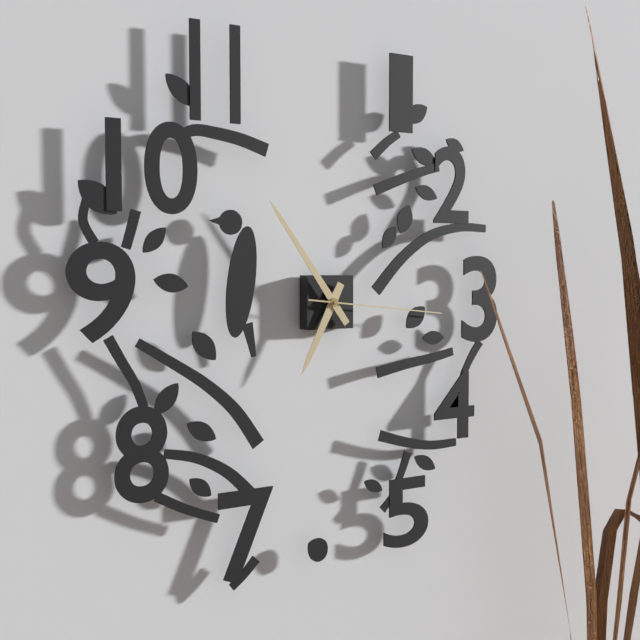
6:54:16
